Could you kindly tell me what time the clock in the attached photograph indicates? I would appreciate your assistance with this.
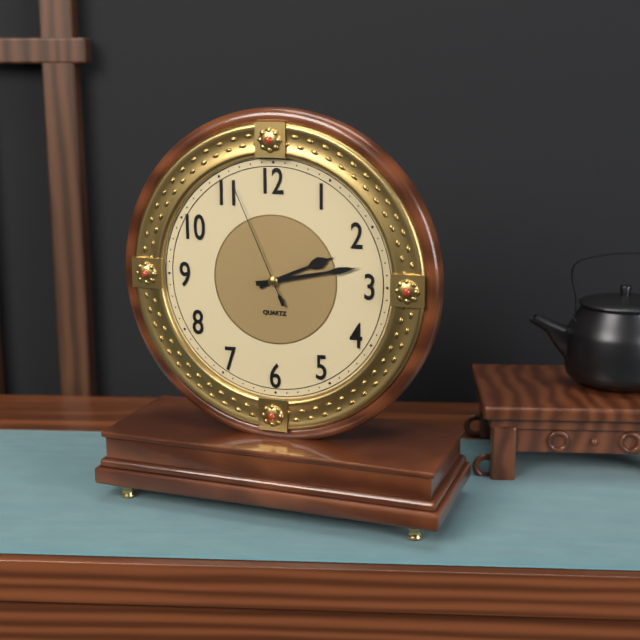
2:13:56
